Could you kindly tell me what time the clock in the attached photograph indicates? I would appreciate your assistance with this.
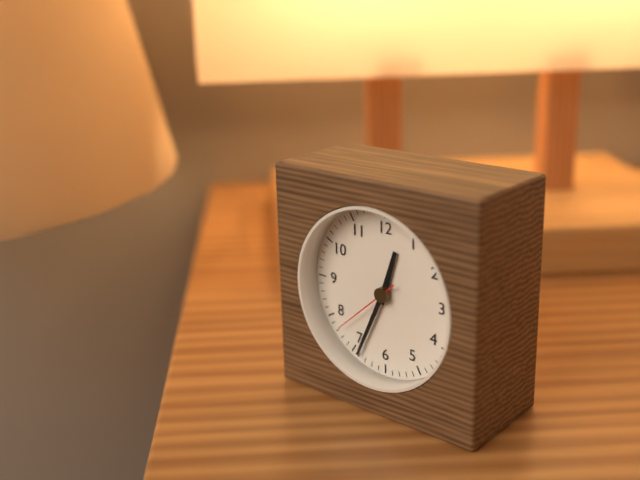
12:34:38
